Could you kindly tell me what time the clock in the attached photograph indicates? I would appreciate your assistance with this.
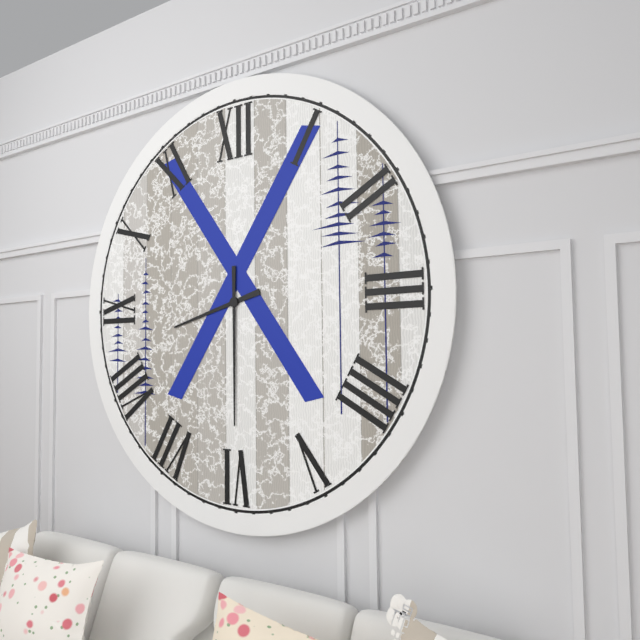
8:30
